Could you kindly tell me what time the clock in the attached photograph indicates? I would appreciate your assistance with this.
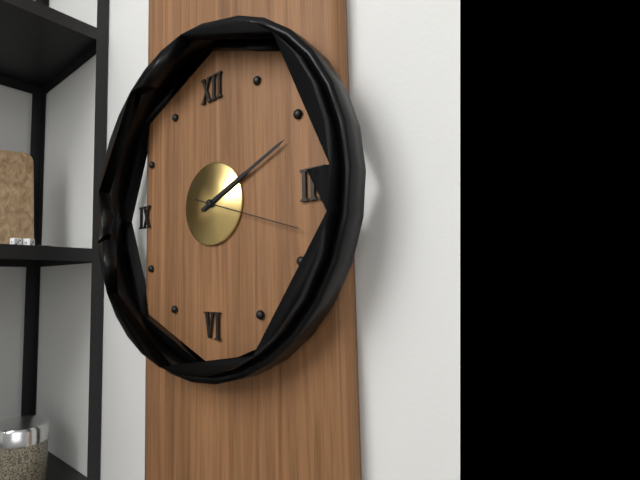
2:11:18
